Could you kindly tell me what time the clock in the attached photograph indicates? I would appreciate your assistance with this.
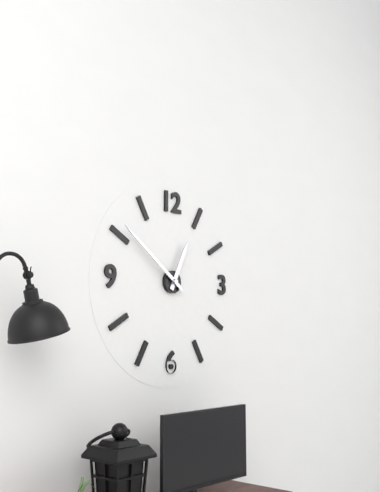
12:51
